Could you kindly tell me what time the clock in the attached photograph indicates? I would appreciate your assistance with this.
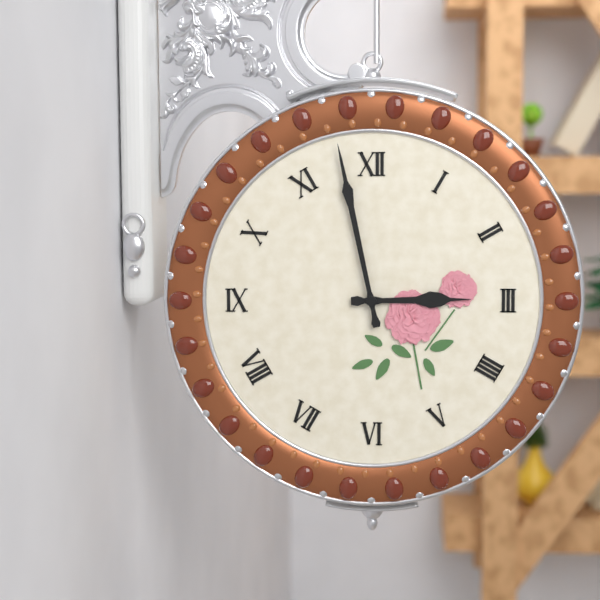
2:58
